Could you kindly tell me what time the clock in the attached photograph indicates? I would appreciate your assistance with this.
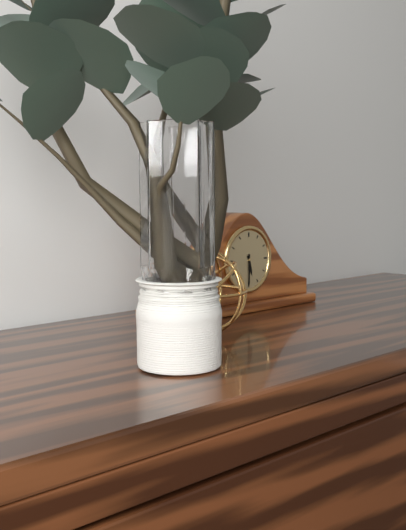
5:30
